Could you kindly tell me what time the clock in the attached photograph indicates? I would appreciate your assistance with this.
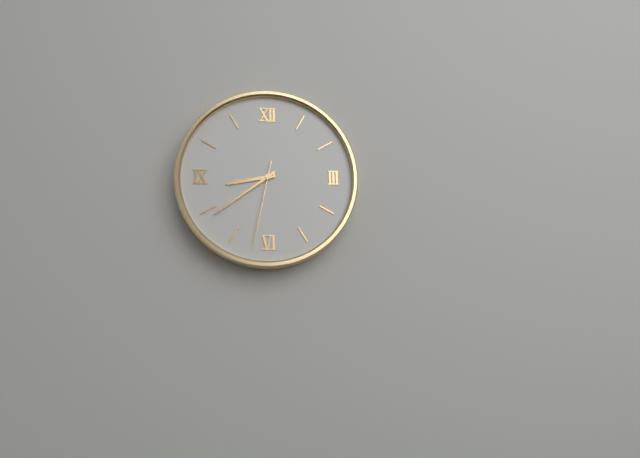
8:39:32
